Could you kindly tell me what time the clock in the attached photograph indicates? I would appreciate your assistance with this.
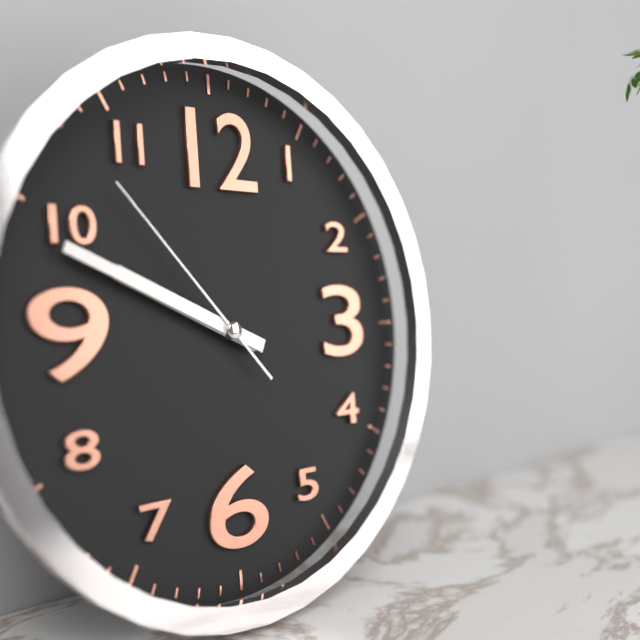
9:49:53
